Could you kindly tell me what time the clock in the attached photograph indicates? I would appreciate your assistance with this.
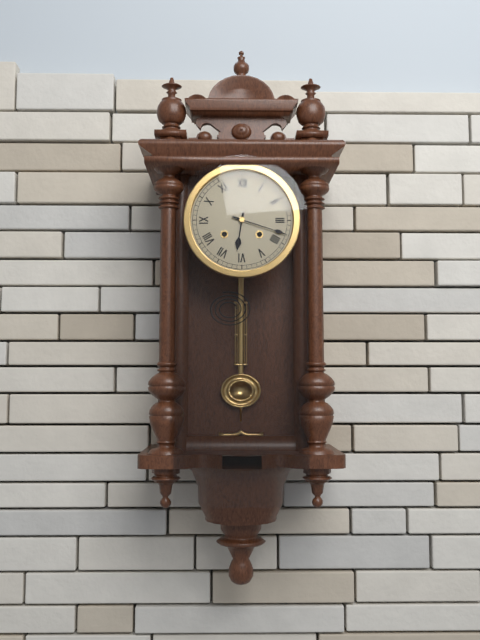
6:18
